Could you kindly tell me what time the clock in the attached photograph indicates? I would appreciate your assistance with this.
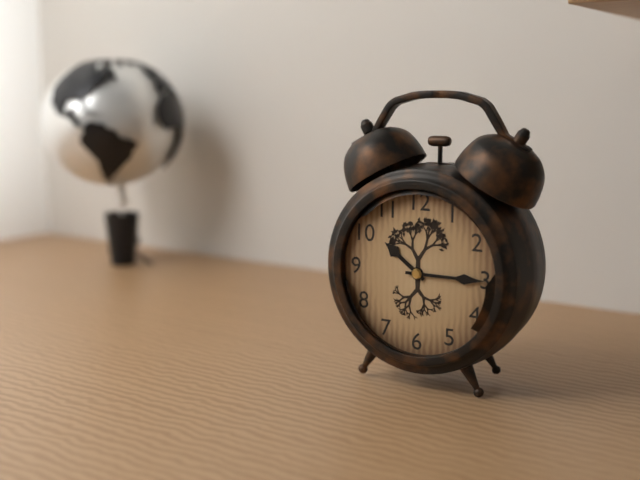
10:15
